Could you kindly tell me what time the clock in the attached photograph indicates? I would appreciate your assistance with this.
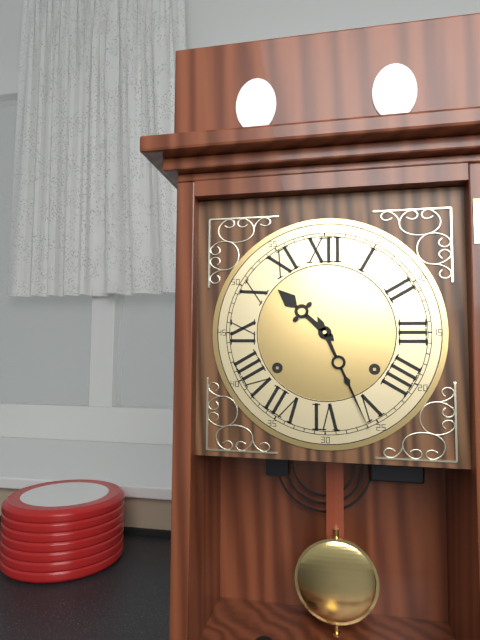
10:26
